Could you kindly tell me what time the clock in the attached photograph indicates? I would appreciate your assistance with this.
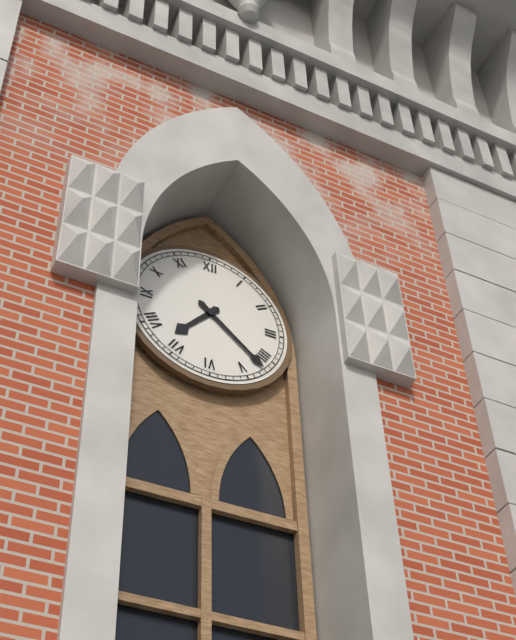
7:22
